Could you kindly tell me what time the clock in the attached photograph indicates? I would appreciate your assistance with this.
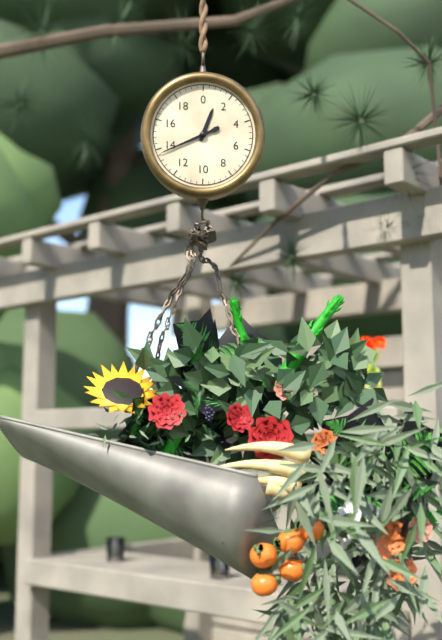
12:41
